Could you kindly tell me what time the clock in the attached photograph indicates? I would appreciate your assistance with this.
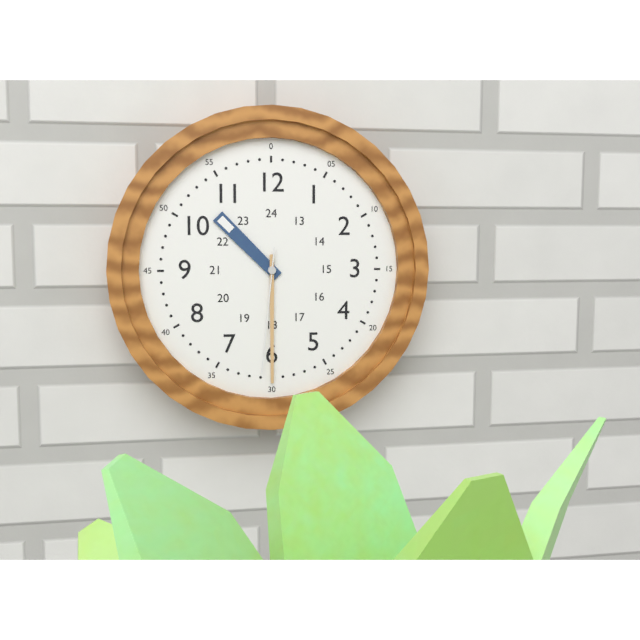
10:30:31
